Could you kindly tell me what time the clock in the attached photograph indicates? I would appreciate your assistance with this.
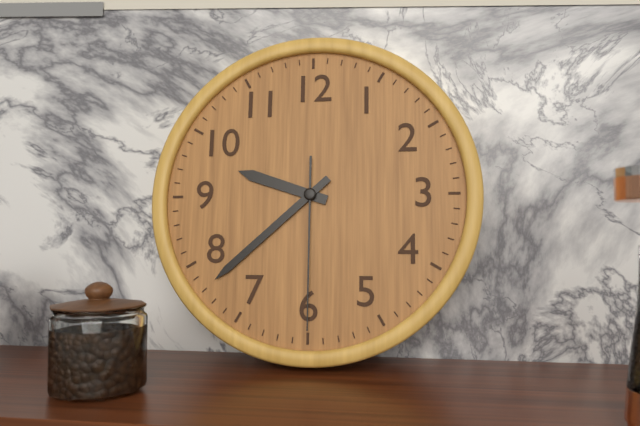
9:38:30
